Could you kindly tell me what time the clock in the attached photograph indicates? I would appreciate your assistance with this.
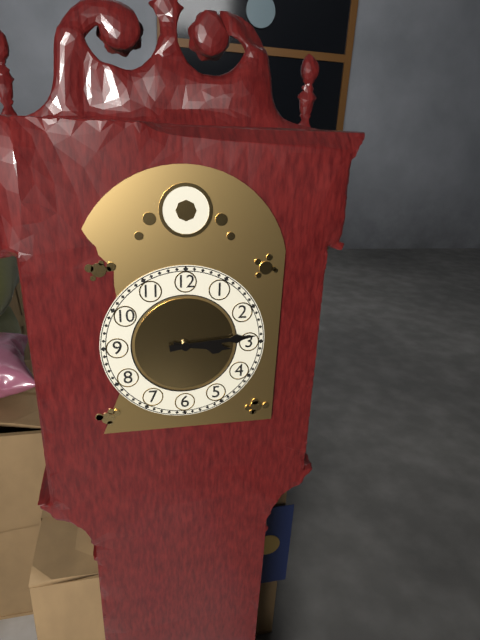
3:14
